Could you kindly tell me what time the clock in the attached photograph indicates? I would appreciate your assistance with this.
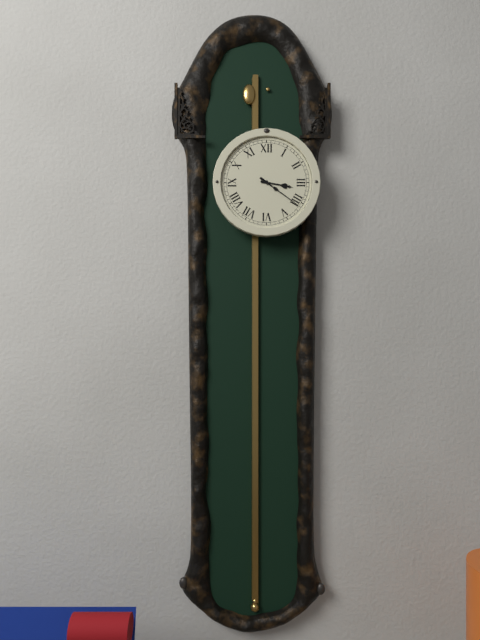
3:21
